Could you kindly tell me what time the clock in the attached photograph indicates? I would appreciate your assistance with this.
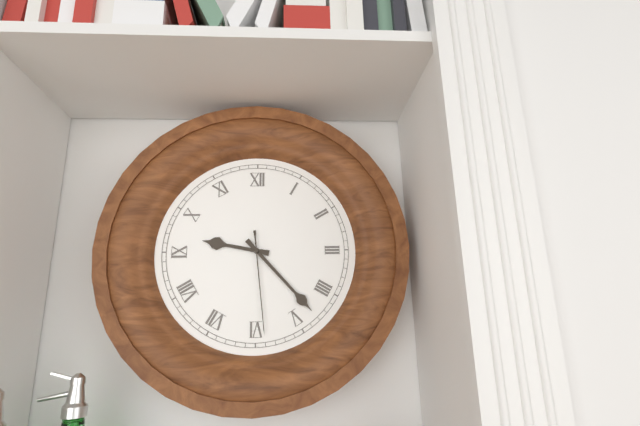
9:23:29
